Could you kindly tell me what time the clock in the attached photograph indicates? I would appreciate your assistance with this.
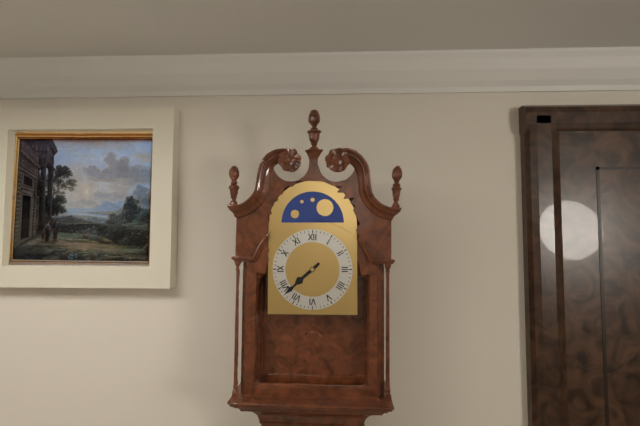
7:38
